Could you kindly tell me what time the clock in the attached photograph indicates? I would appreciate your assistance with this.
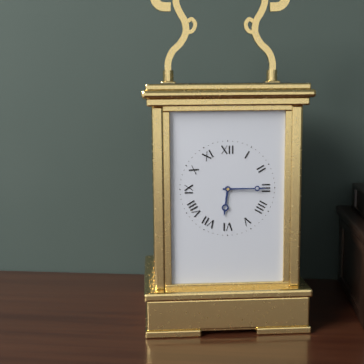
6:15
